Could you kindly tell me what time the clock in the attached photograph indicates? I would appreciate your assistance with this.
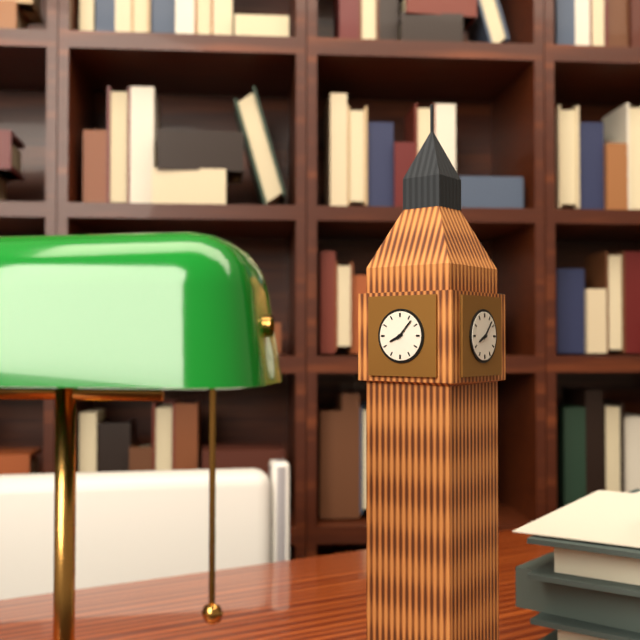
8:07
